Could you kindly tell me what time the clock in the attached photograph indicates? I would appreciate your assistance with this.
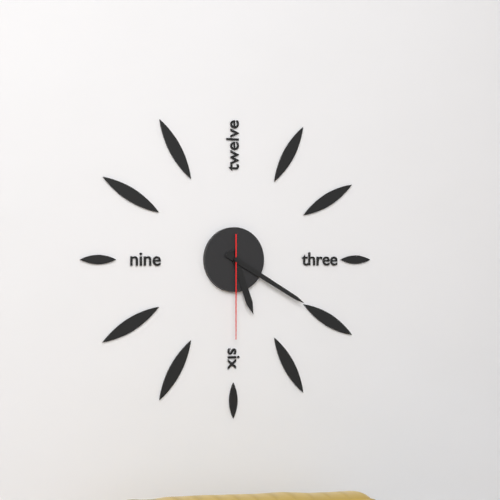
5:20:30
